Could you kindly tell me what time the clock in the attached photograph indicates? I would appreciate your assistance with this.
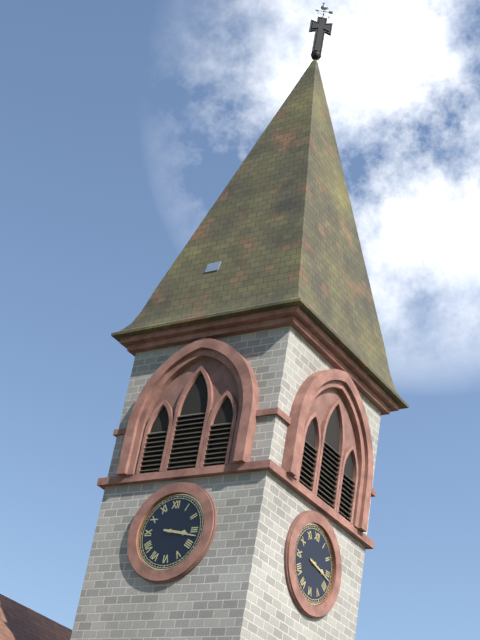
3:17
